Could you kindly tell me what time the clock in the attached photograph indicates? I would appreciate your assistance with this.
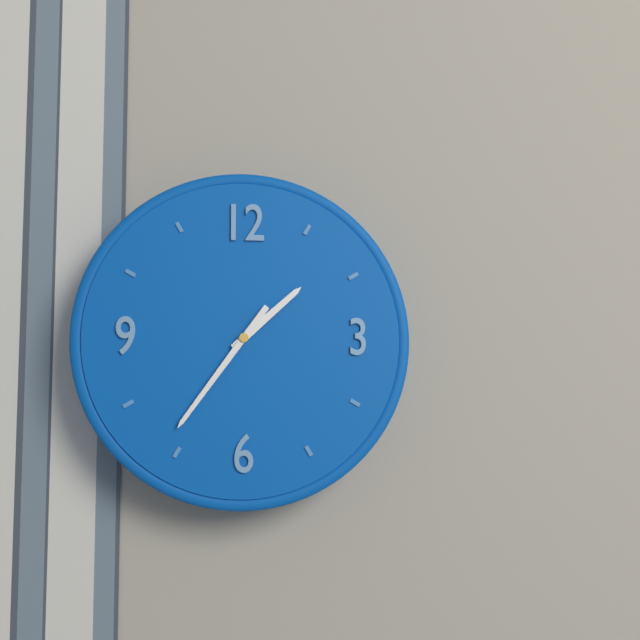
1:36
